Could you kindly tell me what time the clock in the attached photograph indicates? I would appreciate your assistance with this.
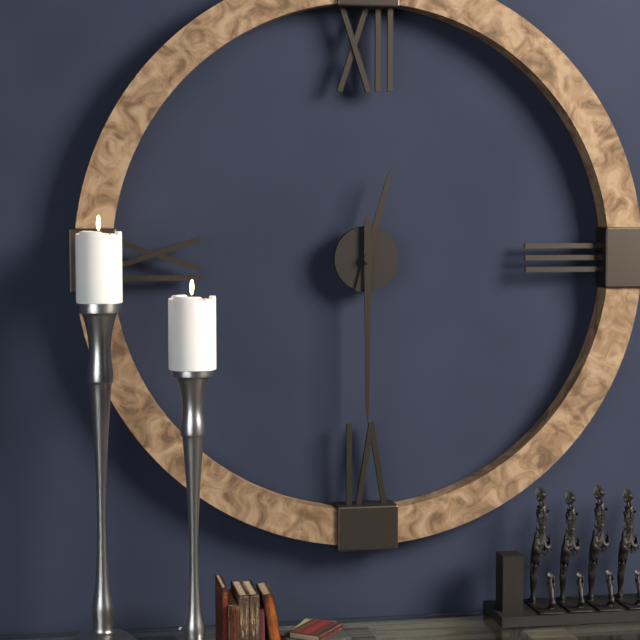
12:30
